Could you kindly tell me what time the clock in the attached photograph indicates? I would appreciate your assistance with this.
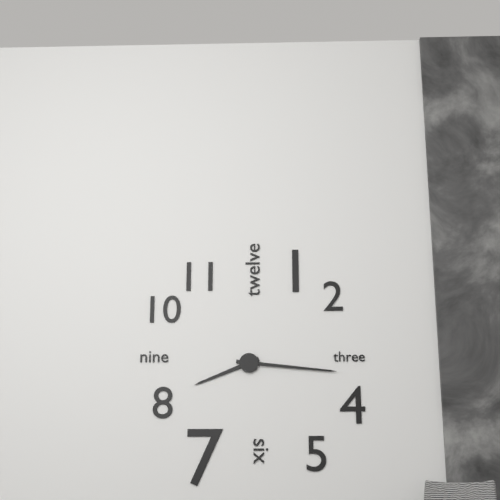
8:16
